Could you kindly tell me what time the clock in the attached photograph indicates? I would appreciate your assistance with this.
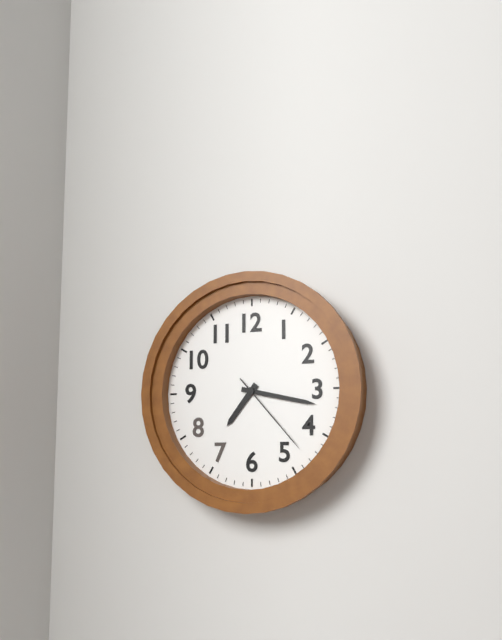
7:17:23
